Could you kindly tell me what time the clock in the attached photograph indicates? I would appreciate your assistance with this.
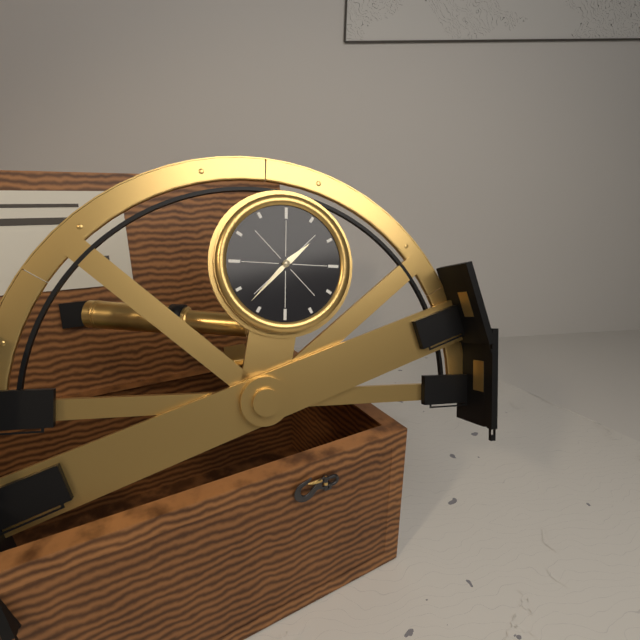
1:37
